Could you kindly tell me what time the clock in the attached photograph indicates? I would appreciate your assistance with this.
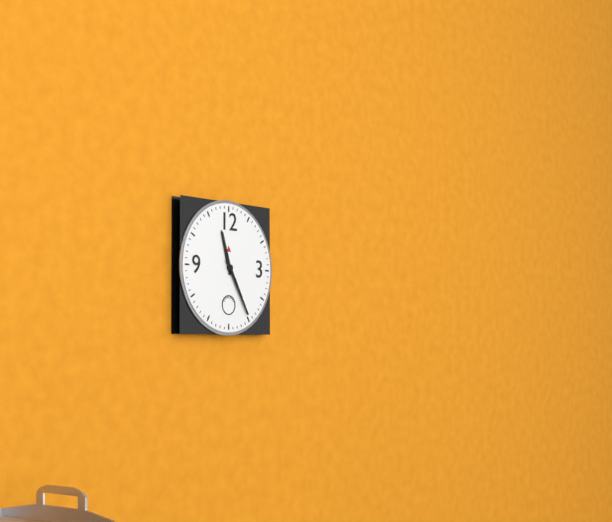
11:25
